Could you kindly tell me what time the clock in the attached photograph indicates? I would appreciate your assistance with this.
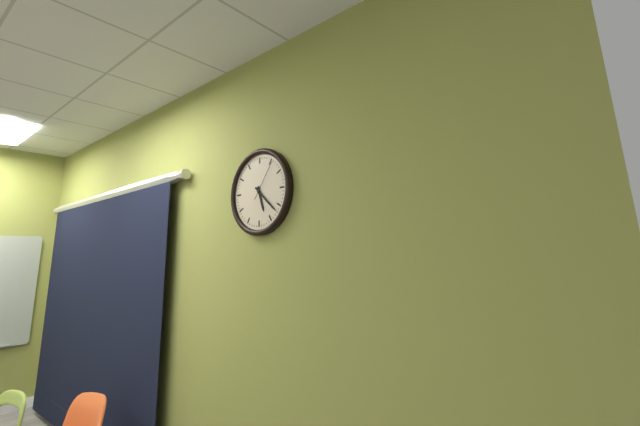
5:22
